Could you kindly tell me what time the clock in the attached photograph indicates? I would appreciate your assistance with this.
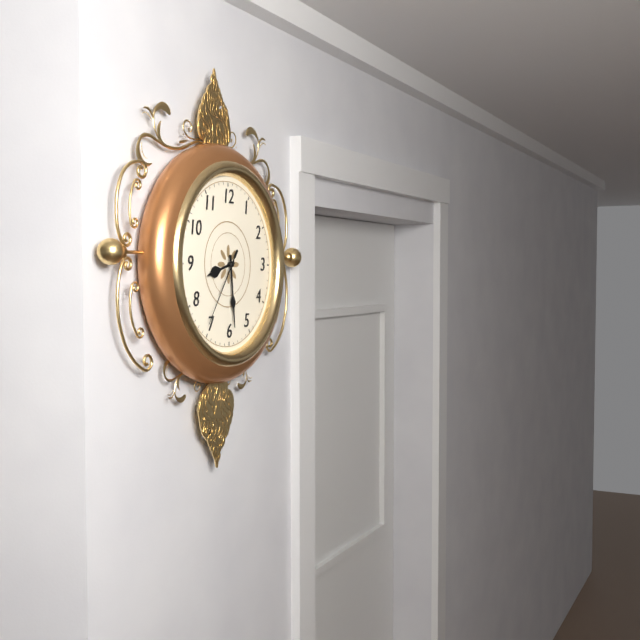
8:29:36
